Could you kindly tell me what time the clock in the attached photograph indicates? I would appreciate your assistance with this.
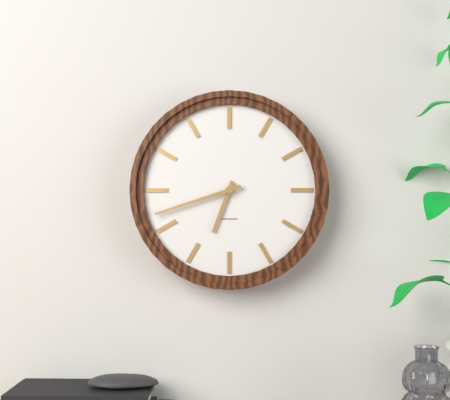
6:42
